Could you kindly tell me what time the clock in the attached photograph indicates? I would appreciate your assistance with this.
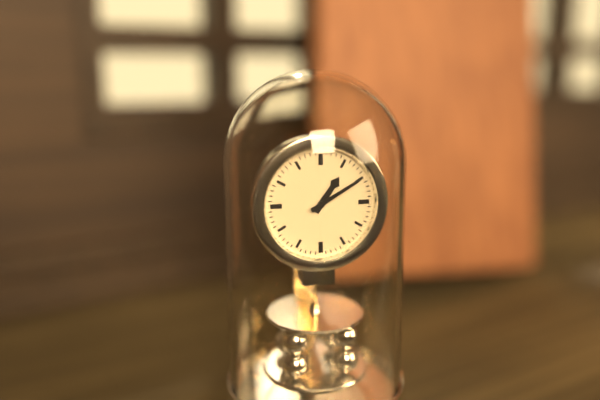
1:10
